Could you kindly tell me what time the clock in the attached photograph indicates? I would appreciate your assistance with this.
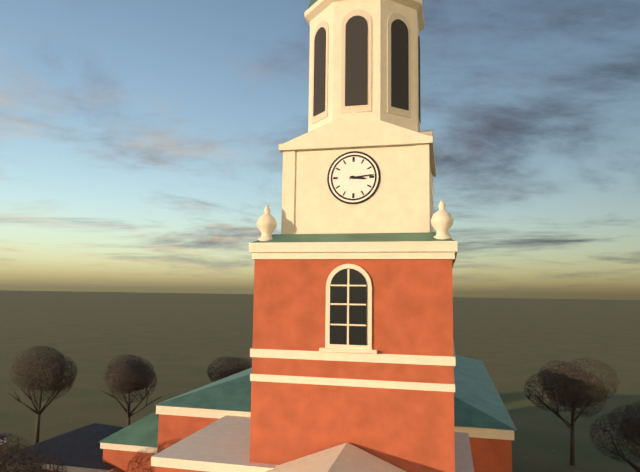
3:14
